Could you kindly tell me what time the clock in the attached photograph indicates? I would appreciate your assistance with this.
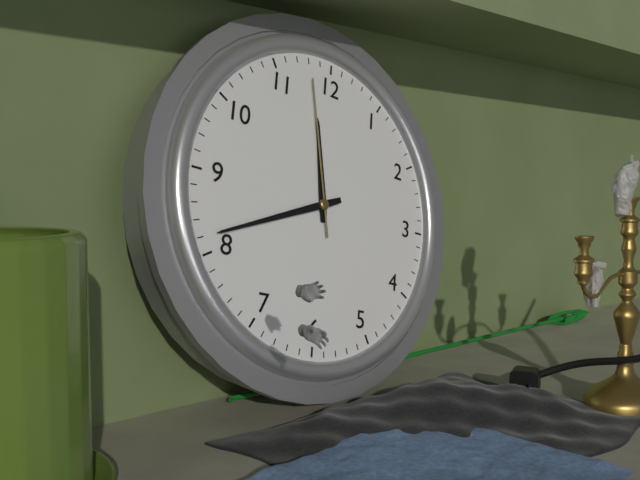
11:41:58
